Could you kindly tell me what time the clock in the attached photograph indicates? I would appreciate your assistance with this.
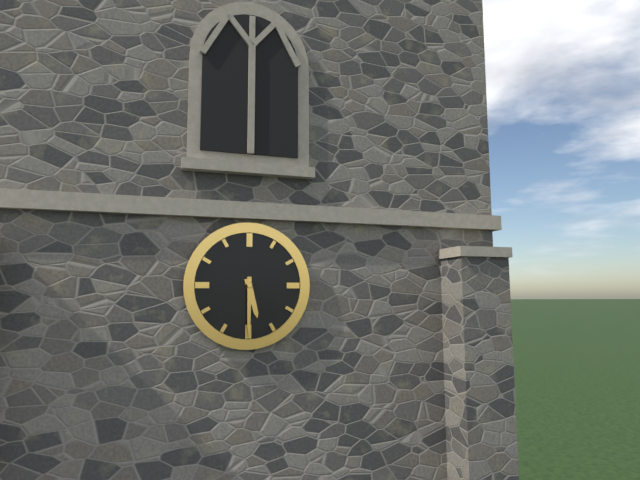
5:30
